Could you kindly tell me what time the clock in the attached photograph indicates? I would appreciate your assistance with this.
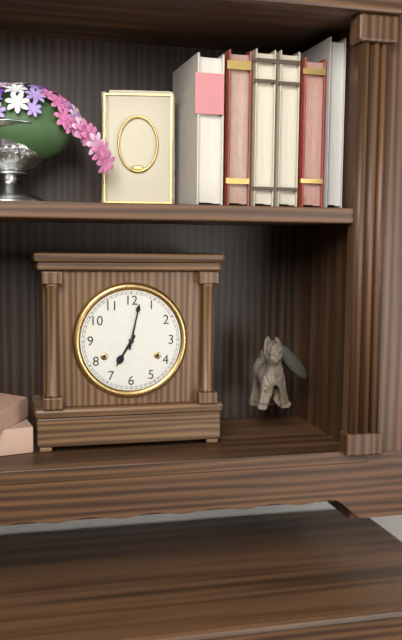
7:02
